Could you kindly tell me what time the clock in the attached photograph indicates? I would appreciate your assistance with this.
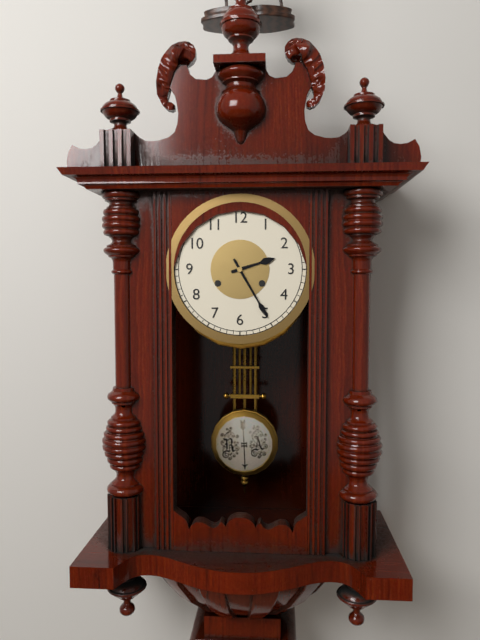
2:25
